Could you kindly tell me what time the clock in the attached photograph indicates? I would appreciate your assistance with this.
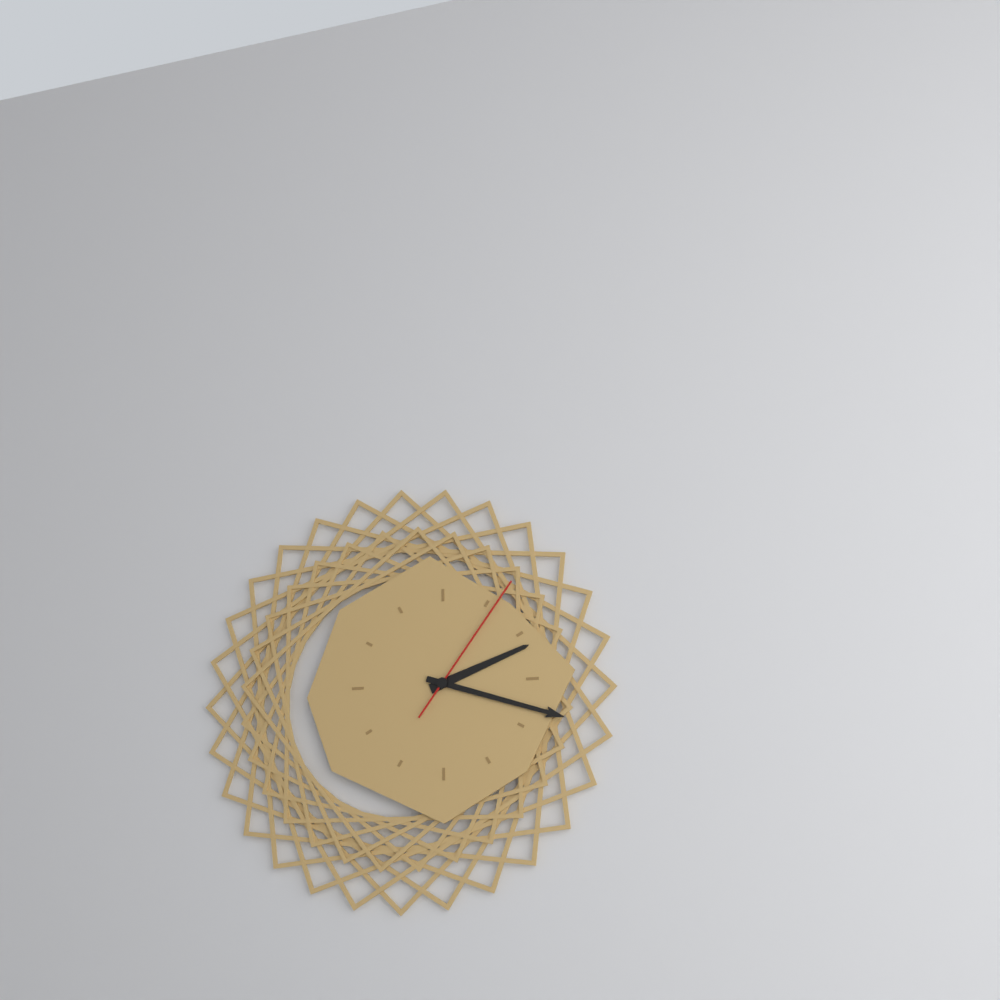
2:18:06
